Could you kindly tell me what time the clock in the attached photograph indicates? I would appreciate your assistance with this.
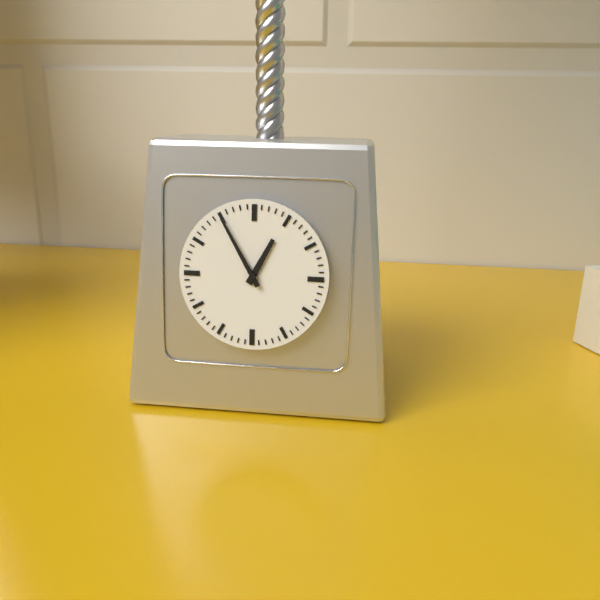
12:55
